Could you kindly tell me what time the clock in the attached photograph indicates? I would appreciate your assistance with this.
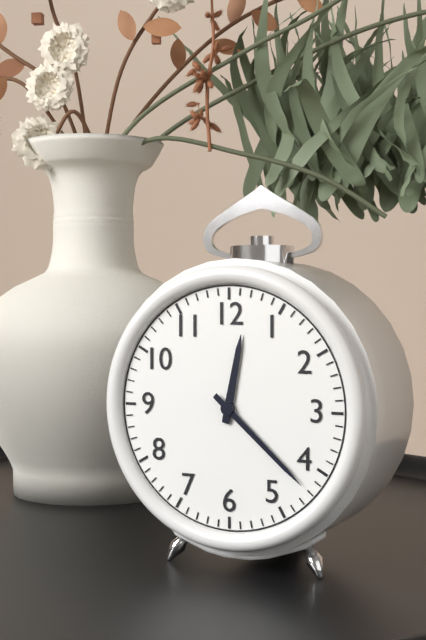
12:22
